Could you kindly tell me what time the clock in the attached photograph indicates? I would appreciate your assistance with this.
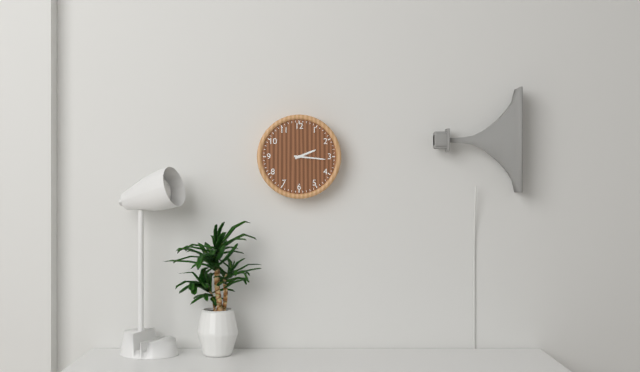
2:16
